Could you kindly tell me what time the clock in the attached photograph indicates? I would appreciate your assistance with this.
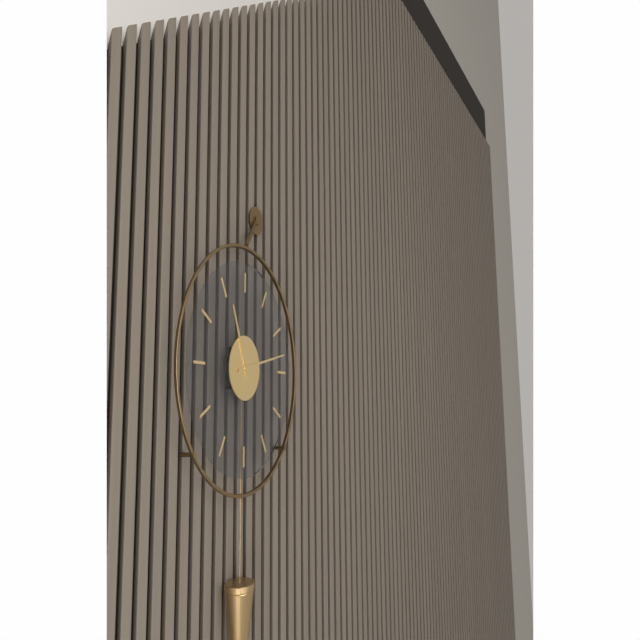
11:13
